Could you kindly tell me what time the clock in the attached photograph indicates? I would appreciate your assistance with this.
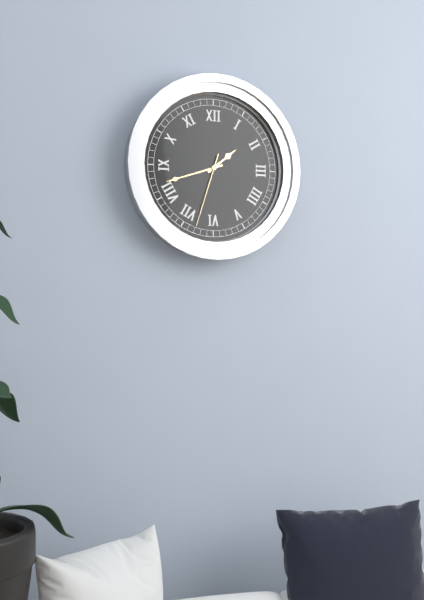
1:42:33
